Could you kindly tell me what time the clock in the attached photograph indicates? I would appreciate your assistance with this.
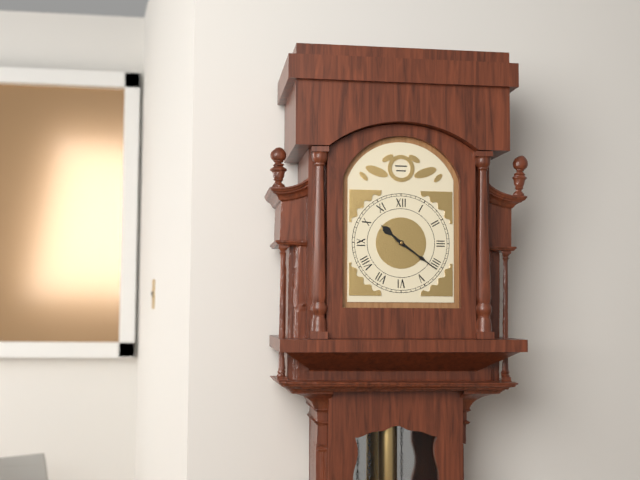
10:21
